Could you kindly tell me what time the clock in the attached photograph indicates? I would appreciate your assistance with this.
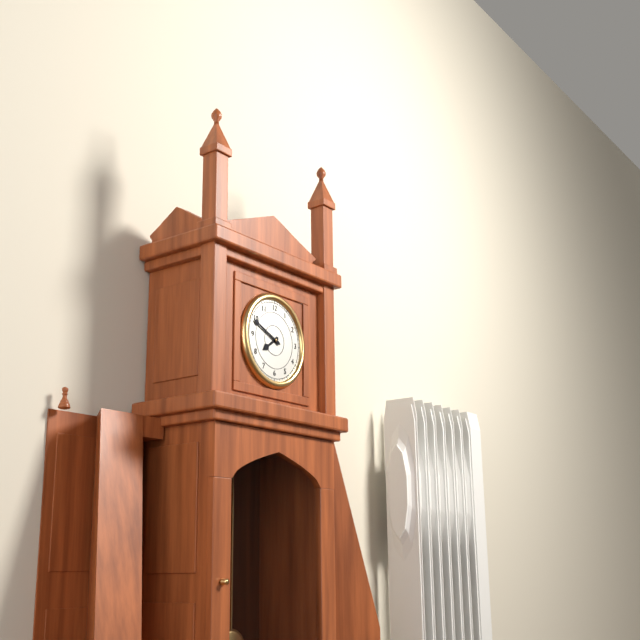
7:49
